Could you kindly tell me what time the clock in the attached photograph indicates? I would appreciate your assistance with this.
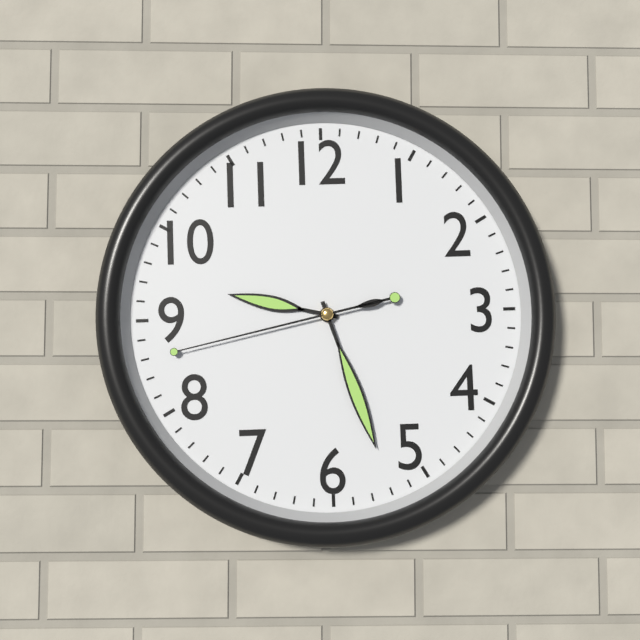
9:27:43
